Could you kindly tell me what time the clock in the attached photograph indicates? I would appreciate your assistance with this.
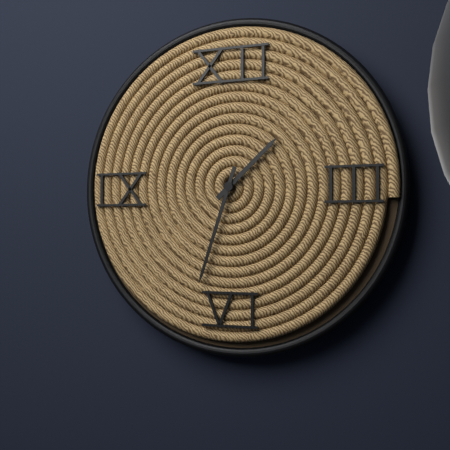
1:33
